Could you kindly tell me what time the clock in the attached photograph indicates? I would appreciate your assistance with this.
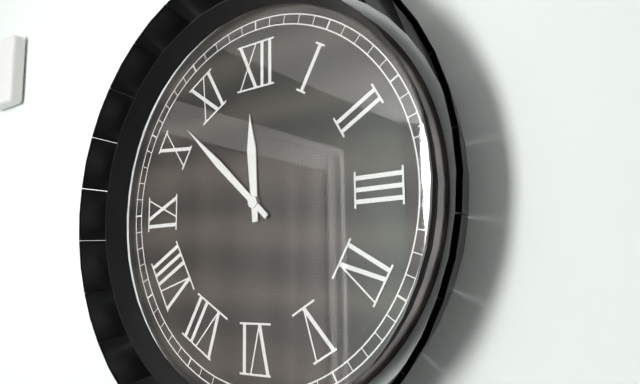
11:52
